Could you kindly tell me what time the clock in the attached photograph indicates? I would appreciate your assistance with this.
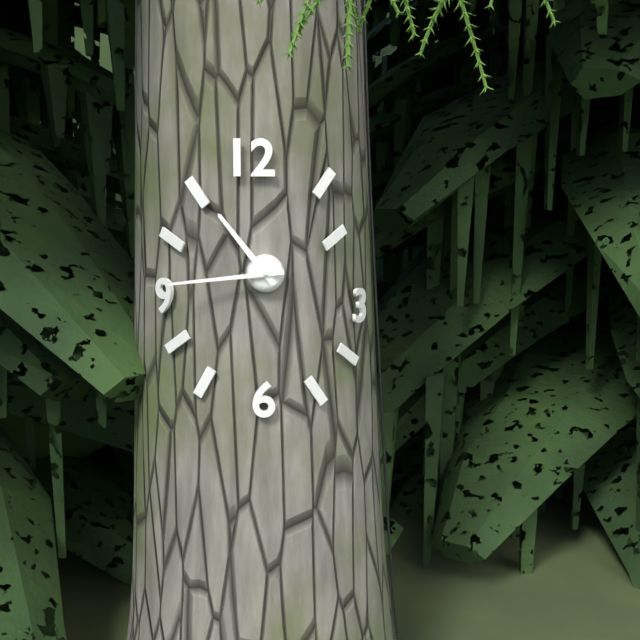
10:44
